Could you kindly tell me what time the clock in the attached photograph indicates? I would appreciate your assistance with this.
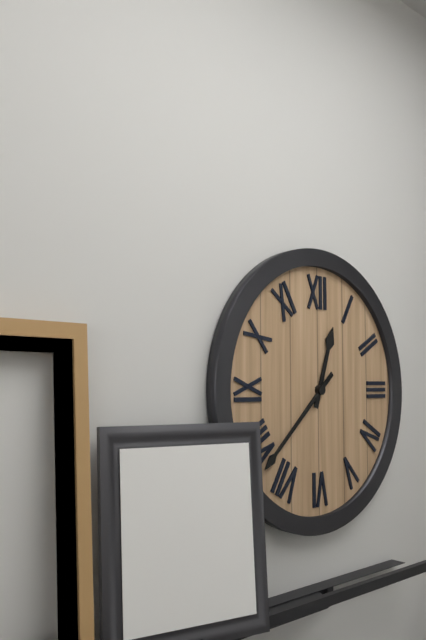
12:38
